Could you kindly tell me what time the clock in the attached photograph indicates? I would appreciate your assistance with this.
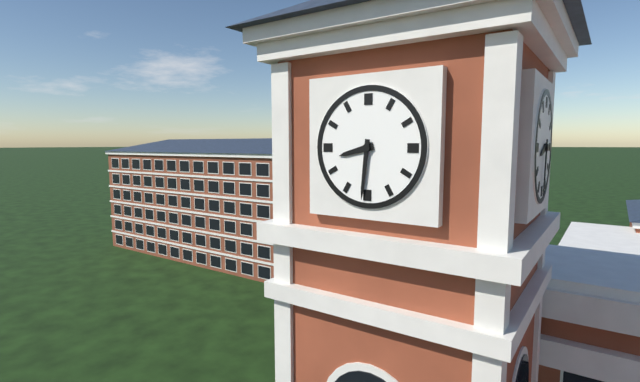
8:31
